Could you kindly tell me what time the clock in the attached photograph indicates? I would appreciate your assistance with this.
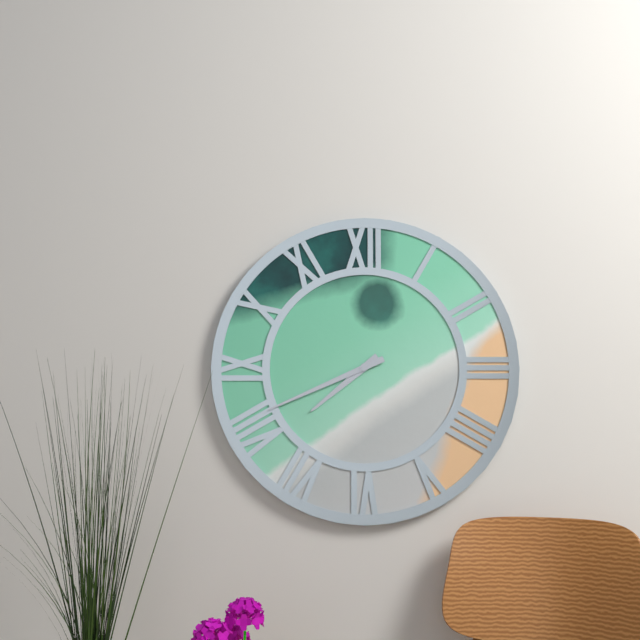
7:41
